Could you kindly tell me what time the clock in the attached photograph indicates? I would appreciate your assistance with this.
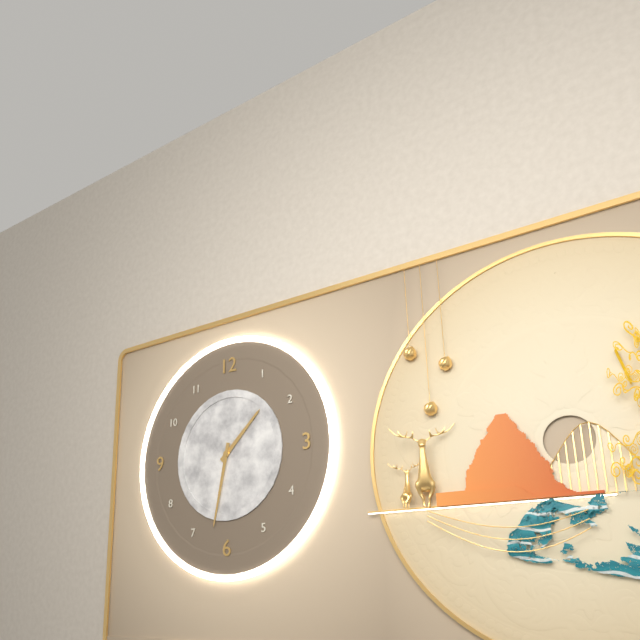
1:32
